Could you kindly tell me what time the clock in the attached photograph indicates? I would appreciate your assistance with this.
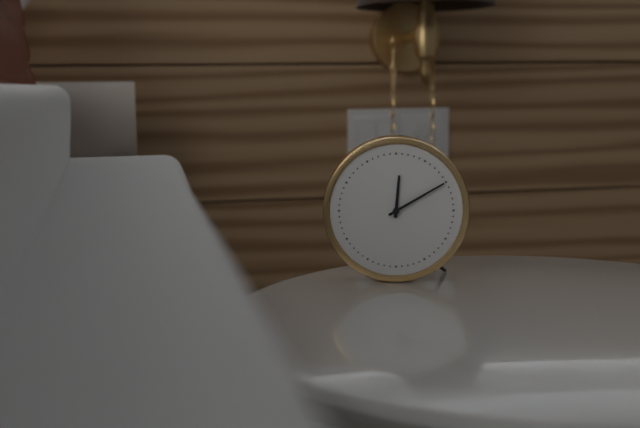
12:10
